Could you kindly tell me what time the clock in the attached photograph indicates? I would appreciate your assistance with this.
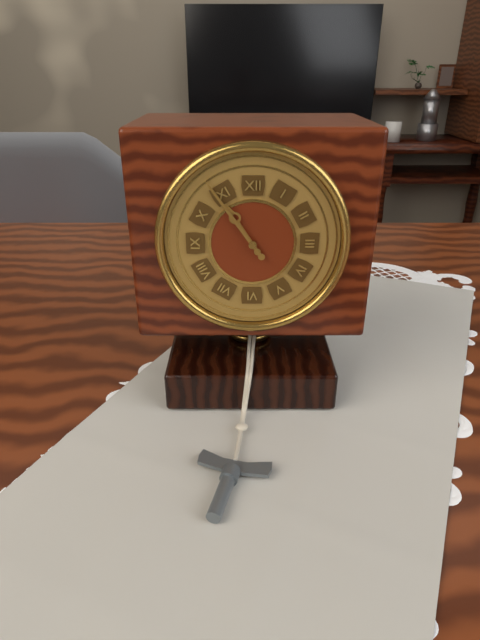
10:54
